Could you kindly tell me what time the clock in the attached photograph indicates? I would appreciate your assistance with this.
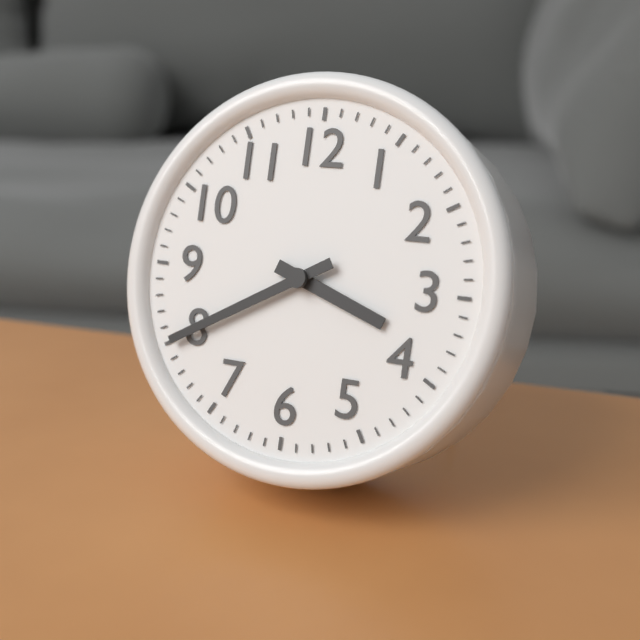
3:40
